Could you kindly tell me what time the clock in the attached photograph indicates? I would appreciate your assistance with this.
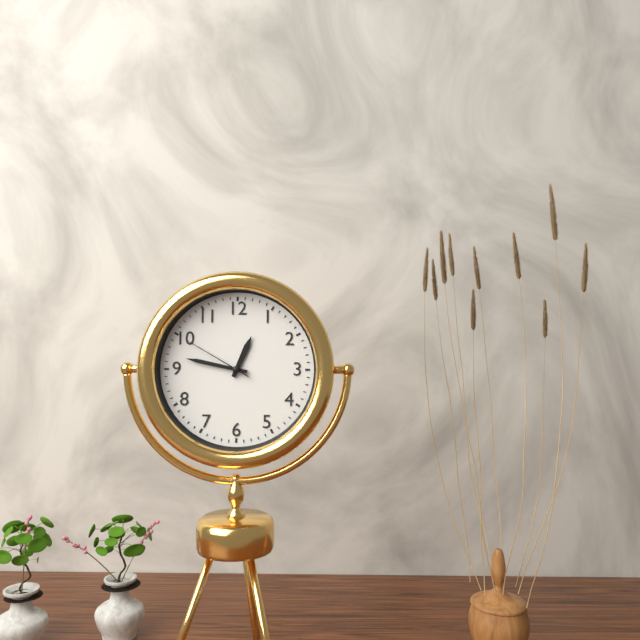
12:47:50
